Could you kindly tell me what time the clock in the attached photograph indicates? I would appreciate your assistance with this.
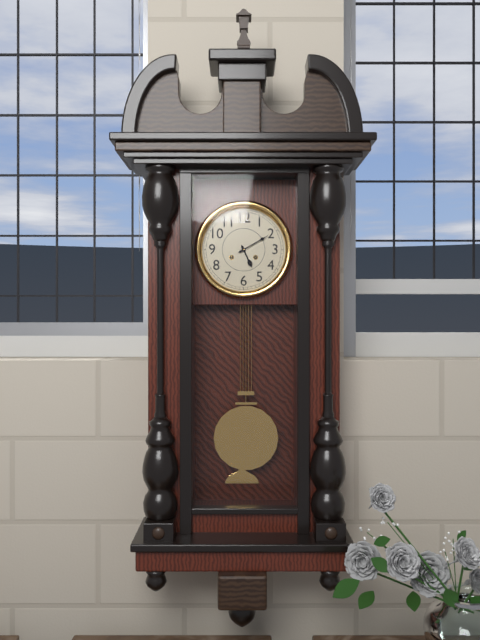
5:10
